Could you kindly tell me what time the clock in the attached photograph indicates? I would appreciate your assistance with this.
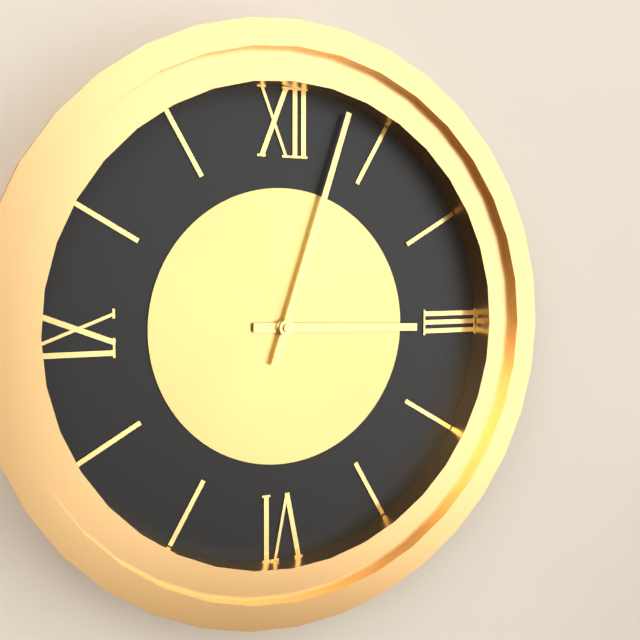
3:03
